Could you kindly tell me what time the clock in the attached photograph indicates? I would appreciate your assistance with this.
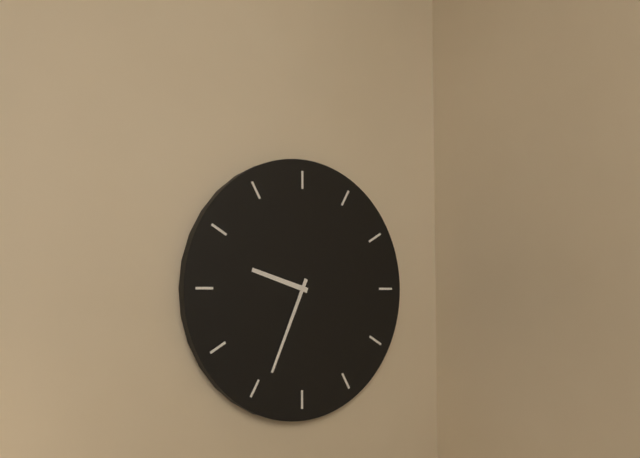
9:34
